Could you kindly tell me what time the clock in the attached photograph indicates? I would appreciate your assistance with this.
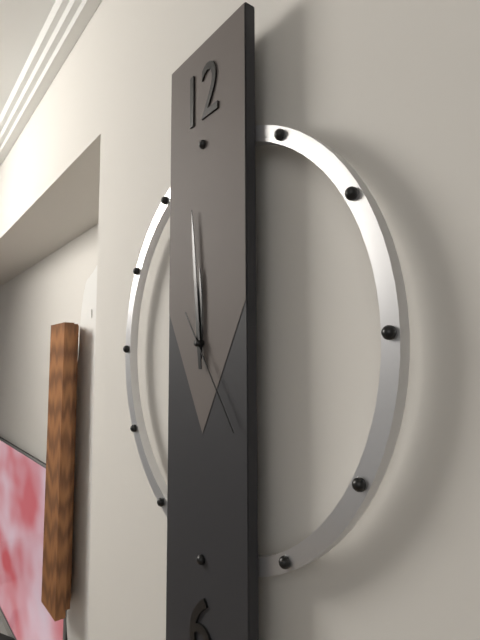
11:59:24
